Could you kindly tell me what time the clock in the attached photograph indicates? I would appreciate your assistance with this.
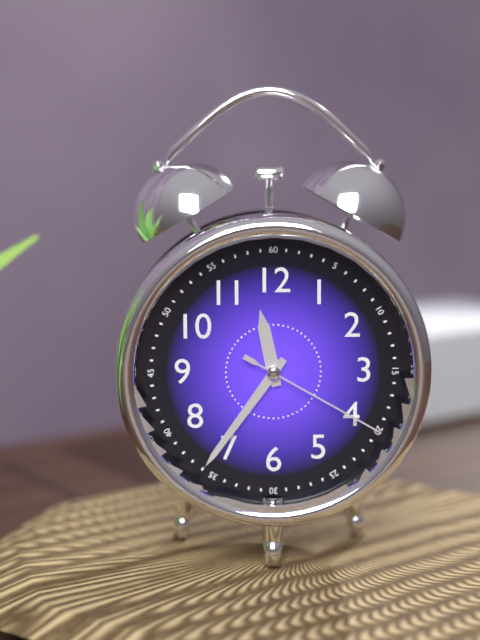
11:36:20
